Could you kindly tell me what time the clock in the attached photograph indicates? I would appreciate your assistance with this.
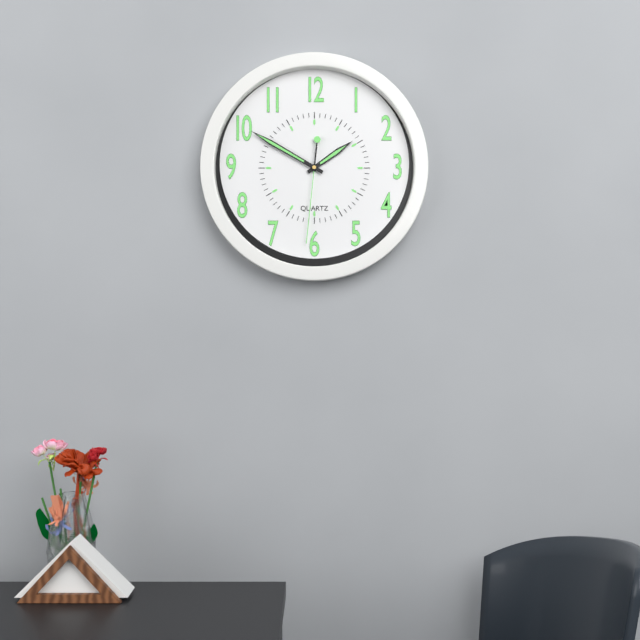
1:50:31
